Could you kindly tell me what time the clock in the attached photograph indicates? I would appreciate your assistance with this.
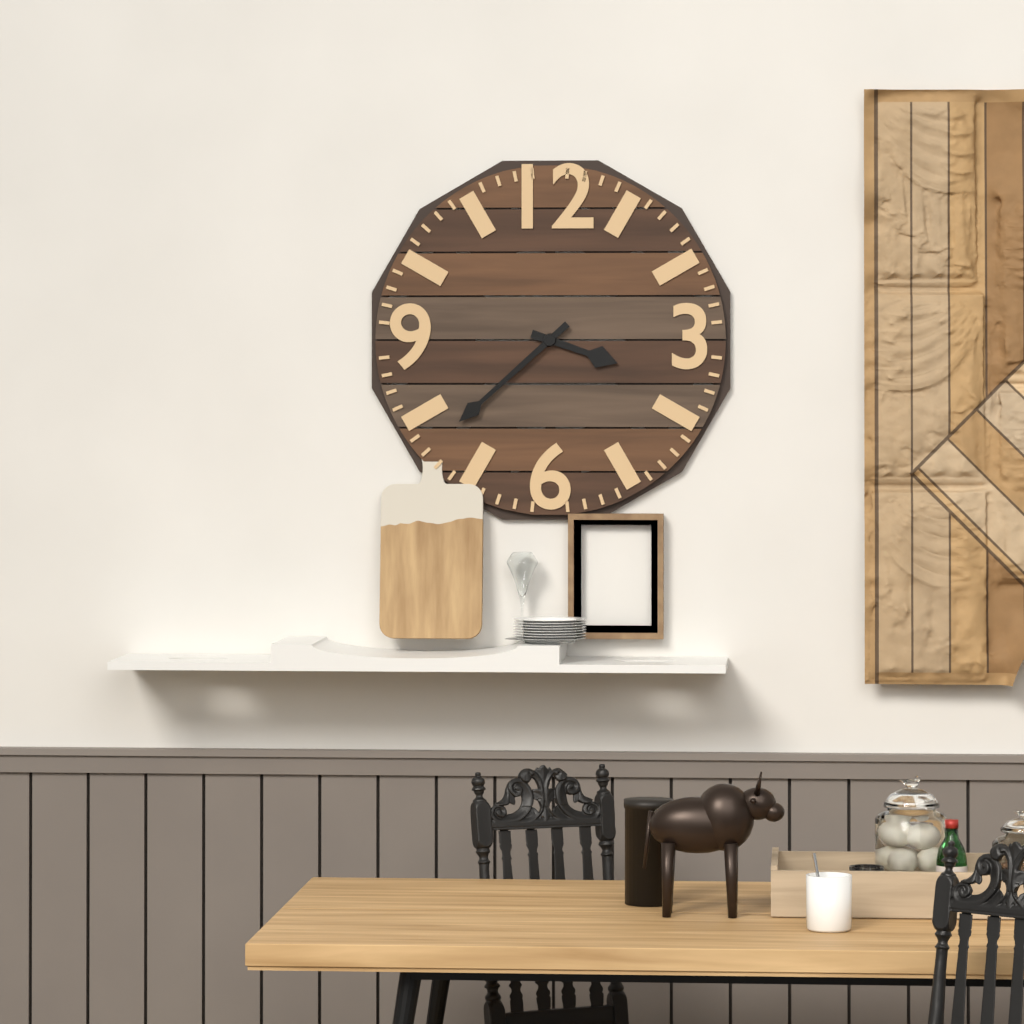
3:38
